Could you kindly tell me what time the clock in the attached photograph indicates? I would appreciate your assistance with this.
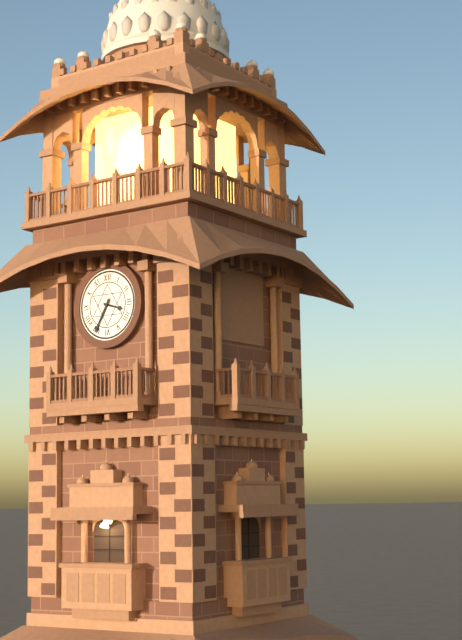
3:35
